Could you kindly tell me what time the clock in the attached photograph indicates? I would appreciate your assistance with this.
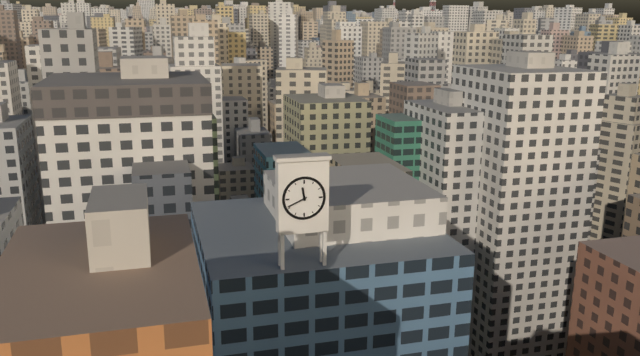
11:41
